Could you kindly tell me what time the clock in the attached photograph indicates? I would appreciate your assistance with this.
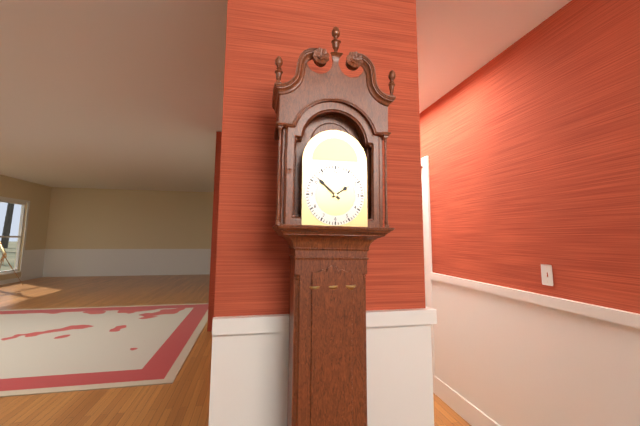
1:52
